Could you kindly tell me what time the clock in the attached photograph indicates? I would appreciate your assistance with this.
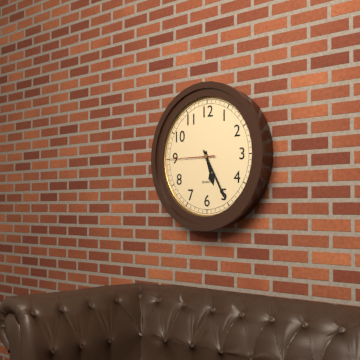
5:25
